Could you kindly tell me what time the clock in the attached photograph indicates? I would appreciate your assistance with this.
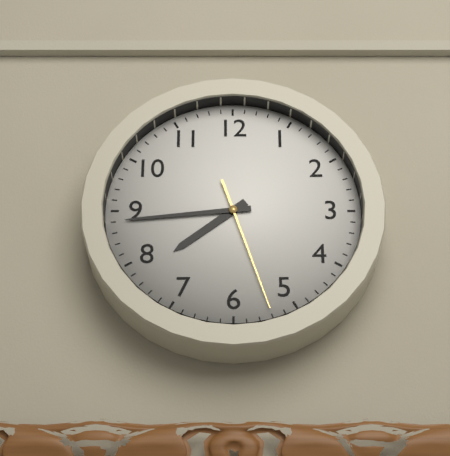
7:44:27
